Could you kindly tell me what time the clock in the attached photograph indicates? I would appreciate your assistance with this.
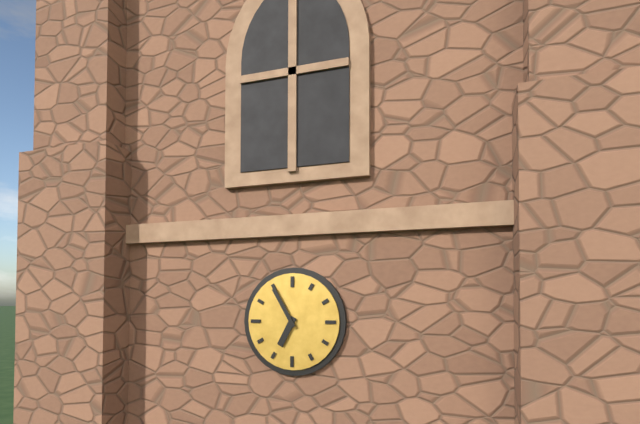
6:55
